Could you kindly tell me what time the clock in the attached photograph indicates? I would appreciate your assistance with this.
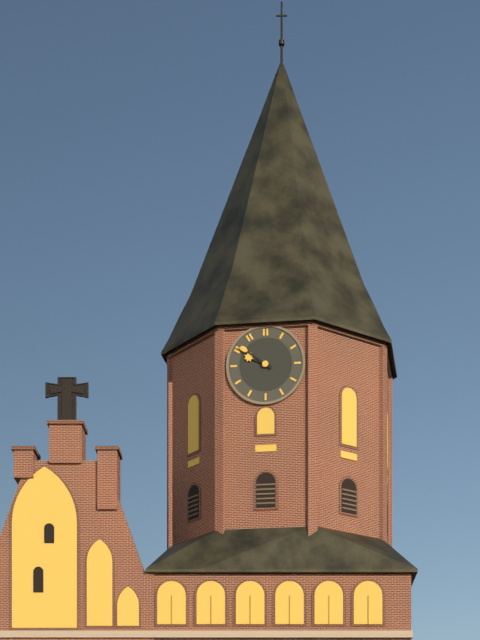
9:51
